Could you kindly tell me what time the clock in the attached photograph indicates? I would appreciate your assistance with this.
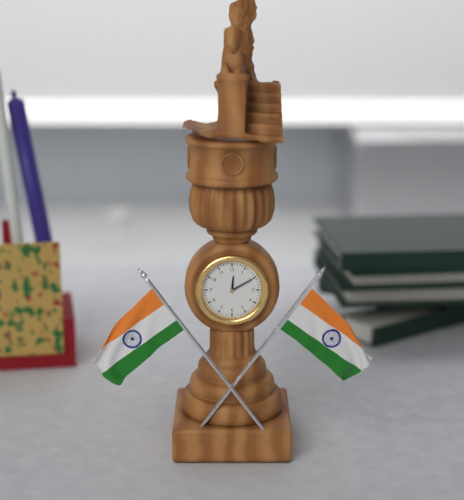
12:10
